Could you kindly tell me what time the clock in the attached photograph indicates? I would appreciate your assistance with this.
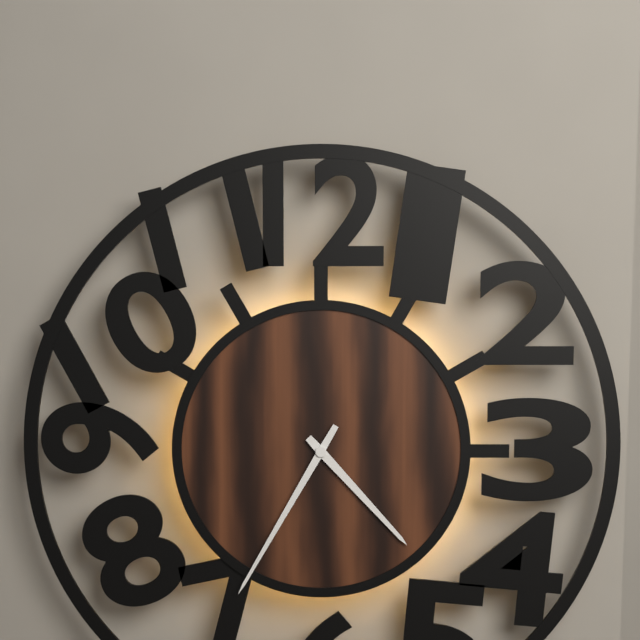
4:35
